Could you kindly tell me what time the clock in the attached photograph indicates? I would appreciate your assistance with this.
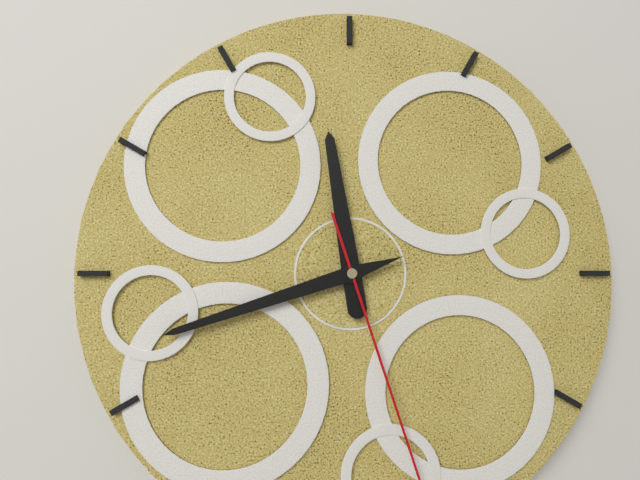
11:42
